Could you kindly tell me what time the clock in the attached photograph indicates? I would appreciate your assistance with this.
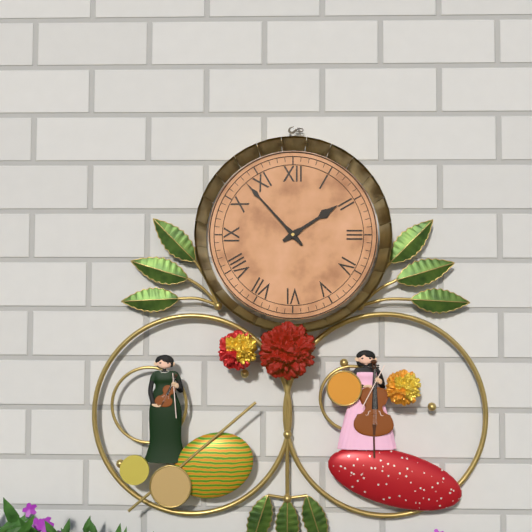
1:53
